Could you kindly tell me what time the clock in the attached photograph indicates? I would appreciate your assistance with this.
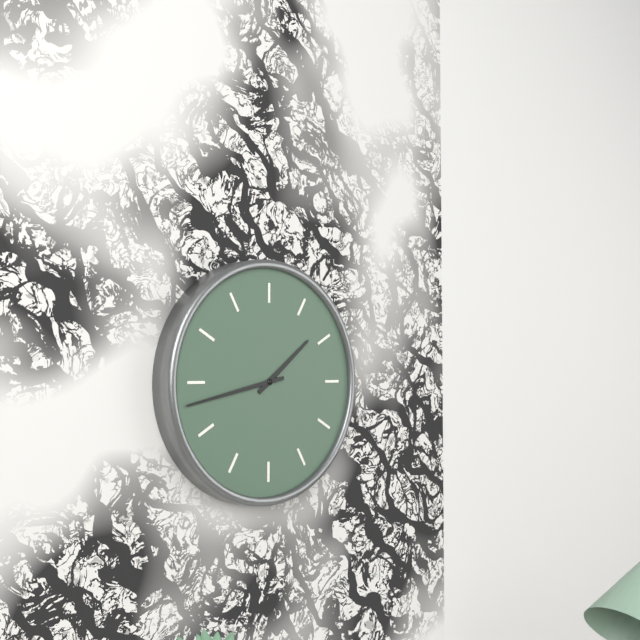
1:43
